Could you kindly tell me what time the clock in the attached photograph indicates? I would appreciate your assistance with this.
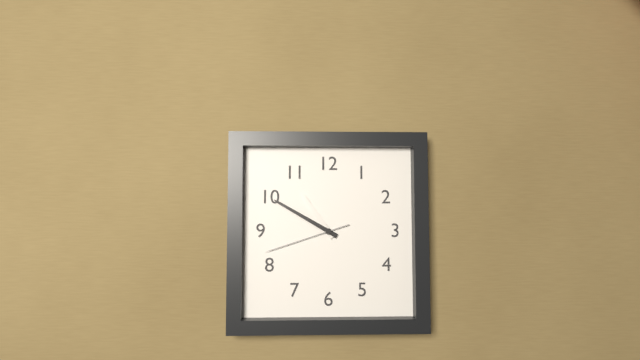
10:50:42
